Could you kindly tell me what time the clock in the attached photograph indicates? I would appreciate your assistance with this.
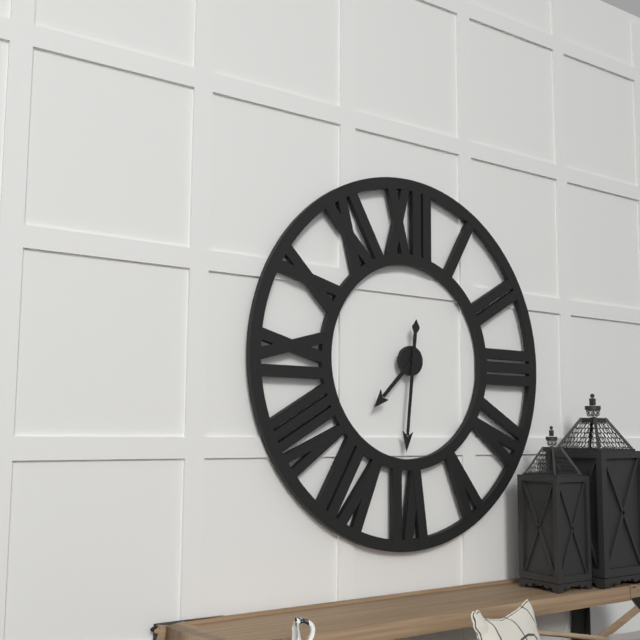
7:31
